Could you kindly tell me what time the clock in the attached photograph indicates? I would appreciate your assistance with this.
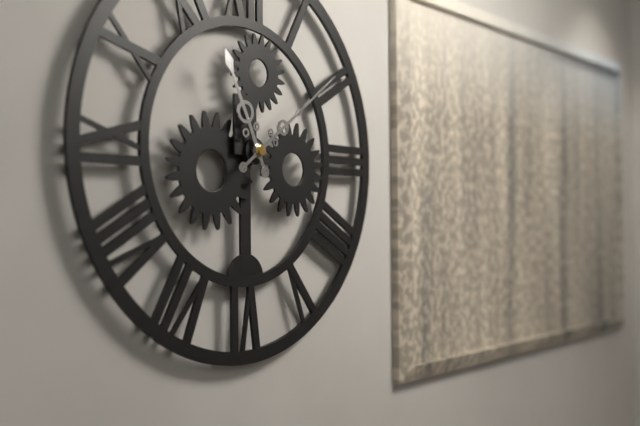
11:09
